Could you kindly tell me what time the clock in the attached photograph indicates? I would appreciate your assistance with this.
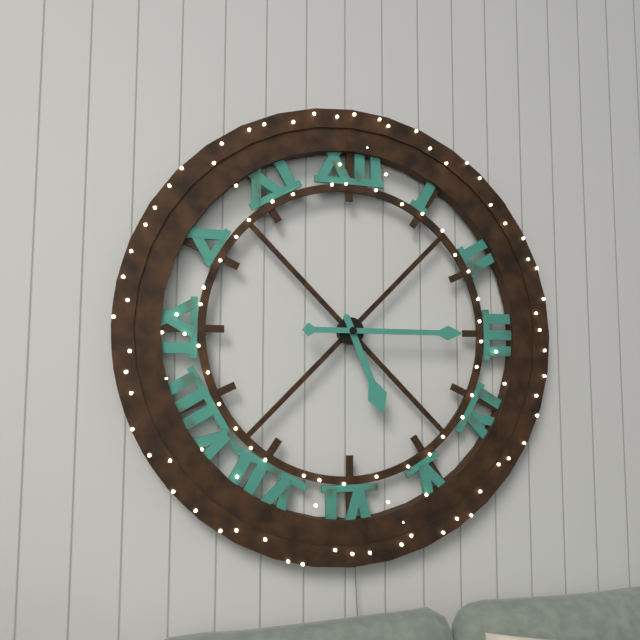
5:15
